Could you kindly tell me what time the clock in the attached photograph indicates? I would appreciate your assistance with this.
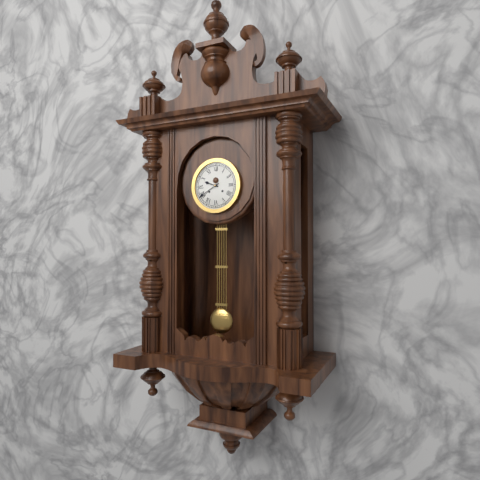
9:40
